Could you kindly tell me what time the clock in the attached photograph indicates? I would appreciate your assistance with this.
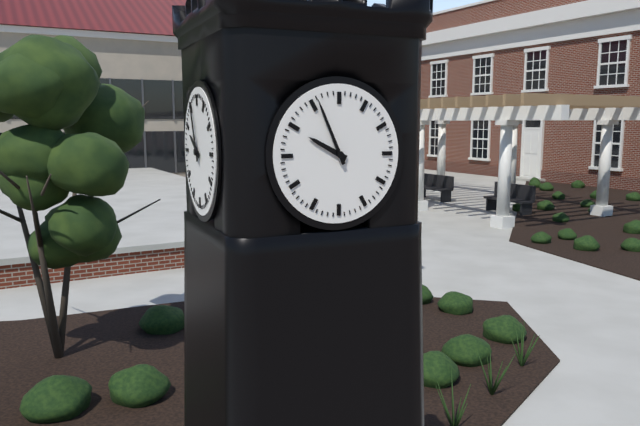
9:56
